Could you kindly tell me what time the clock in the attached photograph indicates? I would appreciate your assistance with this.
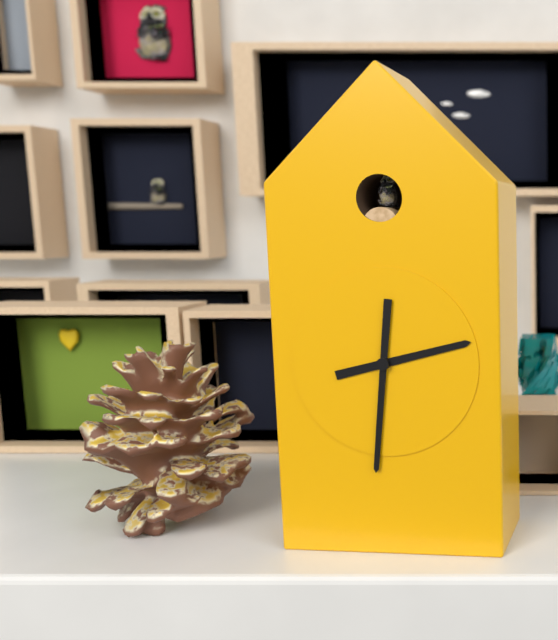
2:31
